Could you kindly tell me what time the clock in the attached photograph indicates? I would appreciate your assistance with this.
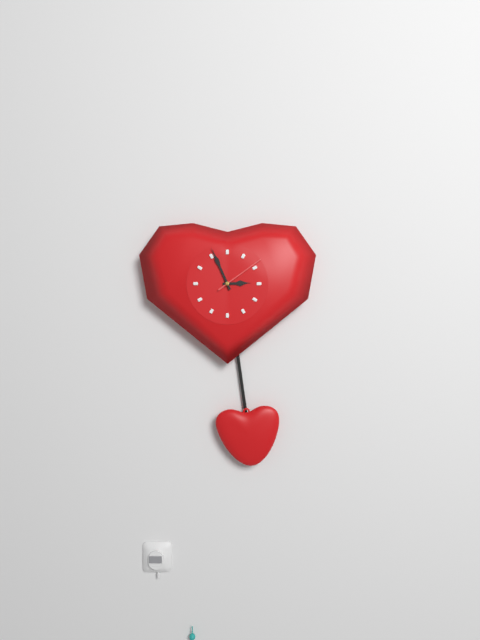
2:56:09
